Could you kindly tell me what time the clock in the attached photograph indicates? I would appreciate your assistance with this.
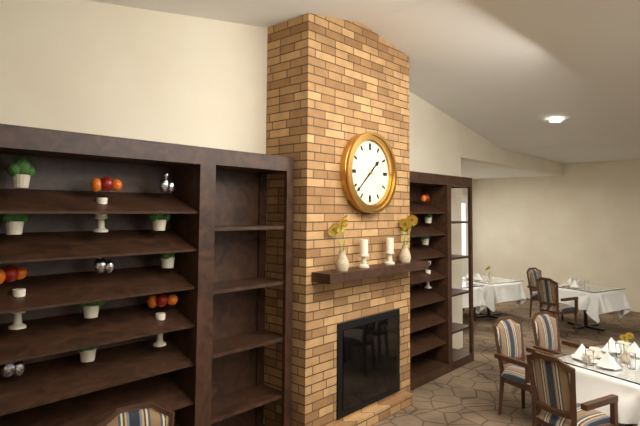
1:38
